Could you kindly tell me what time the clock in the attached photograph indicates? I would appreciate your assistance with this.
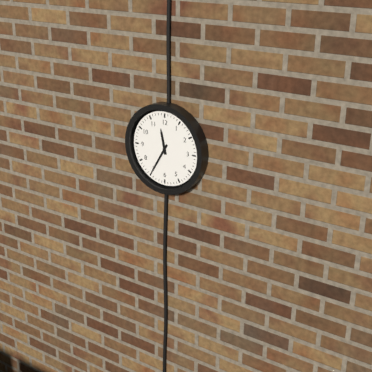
11:35
